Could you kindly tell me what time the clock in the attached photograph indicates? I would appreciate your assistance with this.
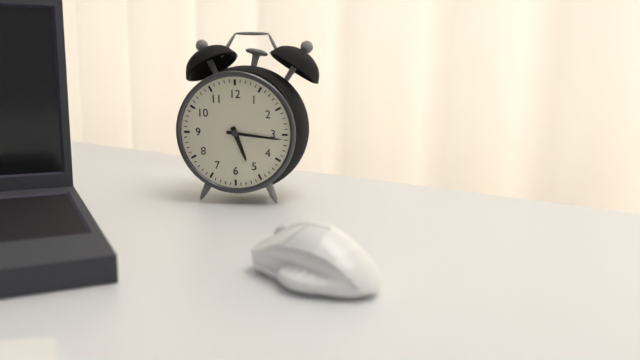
5:16
